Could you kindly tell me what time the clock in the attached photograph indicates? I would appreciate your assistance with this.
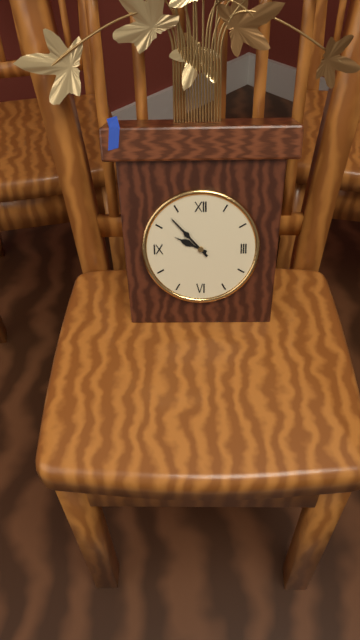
9:53
